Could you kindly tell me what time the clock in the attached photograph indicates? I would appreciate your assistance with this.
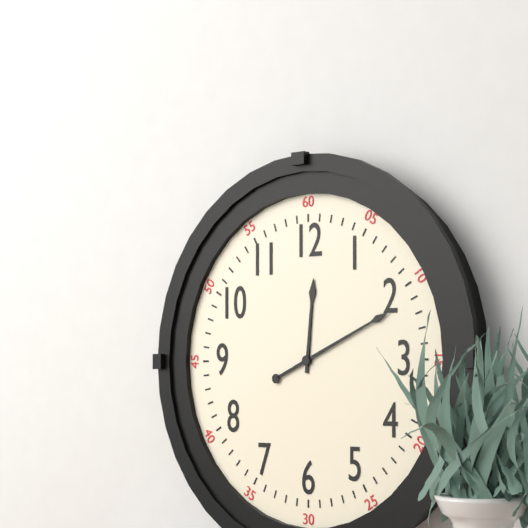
12:11
